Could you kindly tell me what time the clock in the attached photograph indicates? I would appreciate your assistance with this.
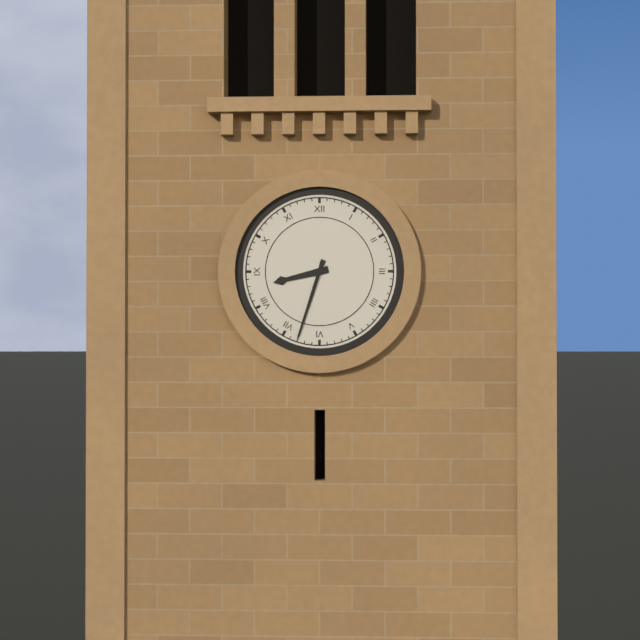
8:33
